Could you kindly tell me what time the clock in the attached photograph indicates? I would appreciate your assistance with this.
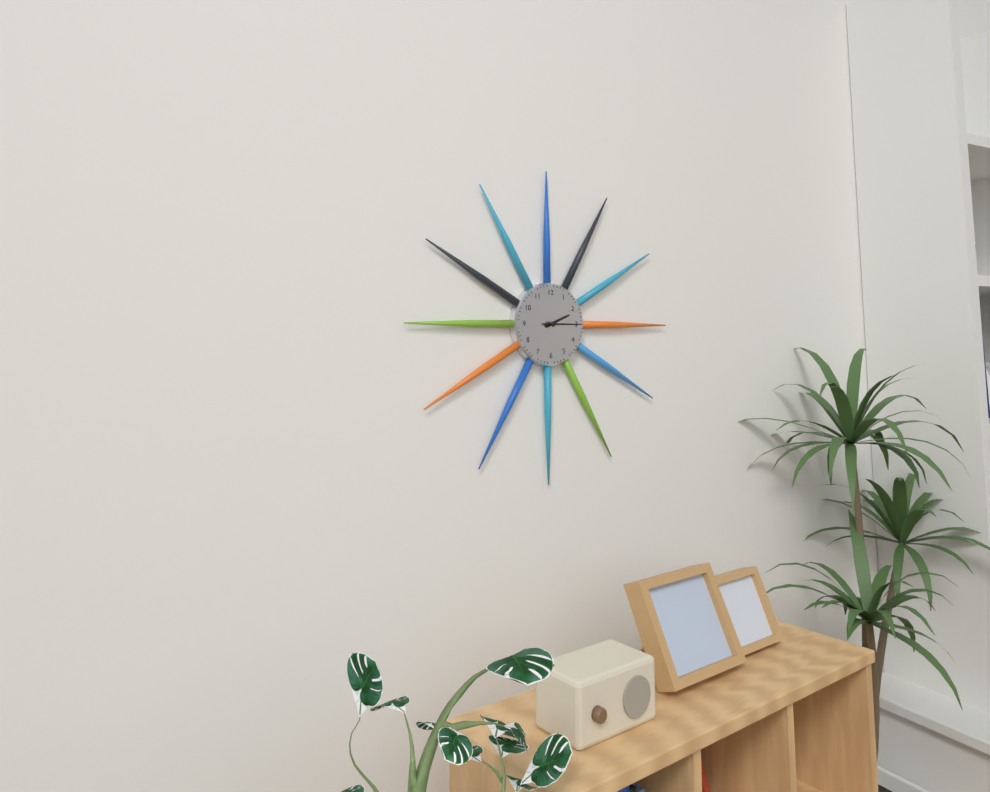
2:15
